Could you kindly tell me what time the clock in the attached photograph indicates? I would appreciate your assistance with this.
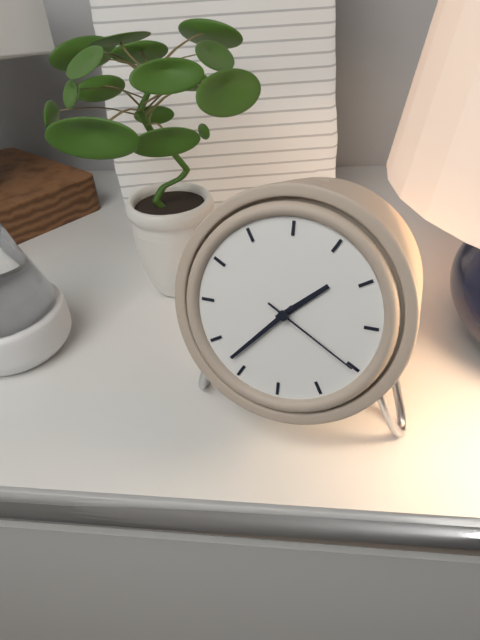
1:37:20
